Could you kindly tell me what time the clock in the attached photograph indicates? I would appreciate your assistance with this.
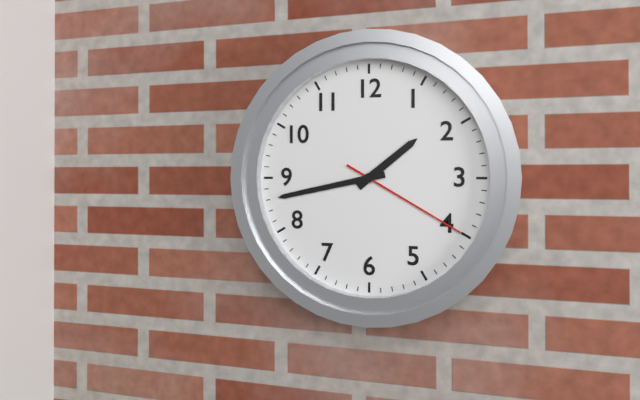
1:43:20
